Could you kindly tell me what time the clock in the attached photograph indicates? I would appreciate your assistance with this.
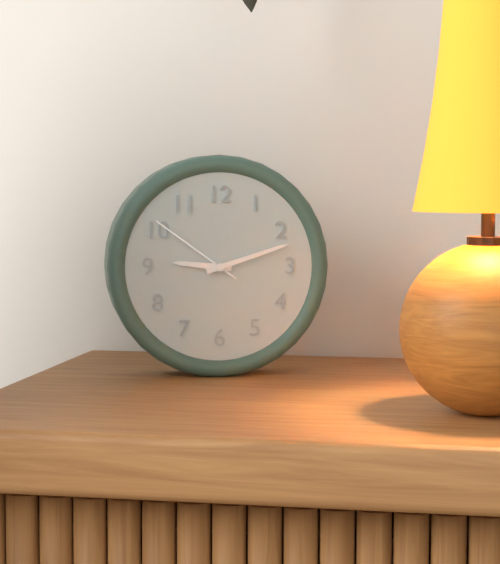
9:12:51
